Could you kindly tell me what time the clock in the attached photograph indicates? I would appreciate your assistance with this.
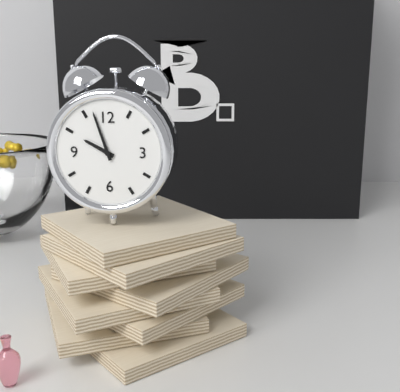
9:57
